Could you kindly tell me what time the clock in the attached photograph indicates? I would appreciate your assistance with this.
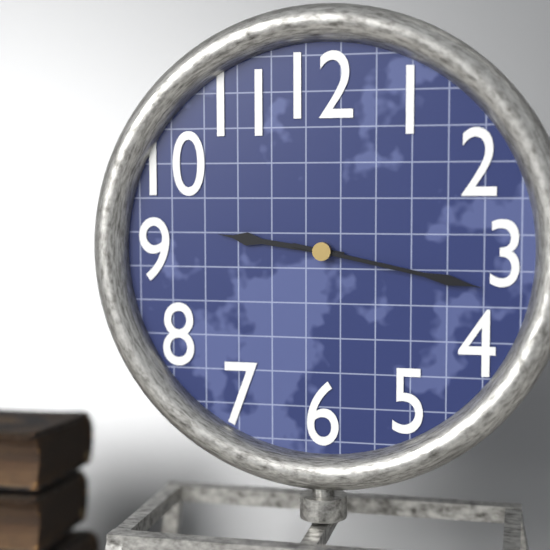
9:17
